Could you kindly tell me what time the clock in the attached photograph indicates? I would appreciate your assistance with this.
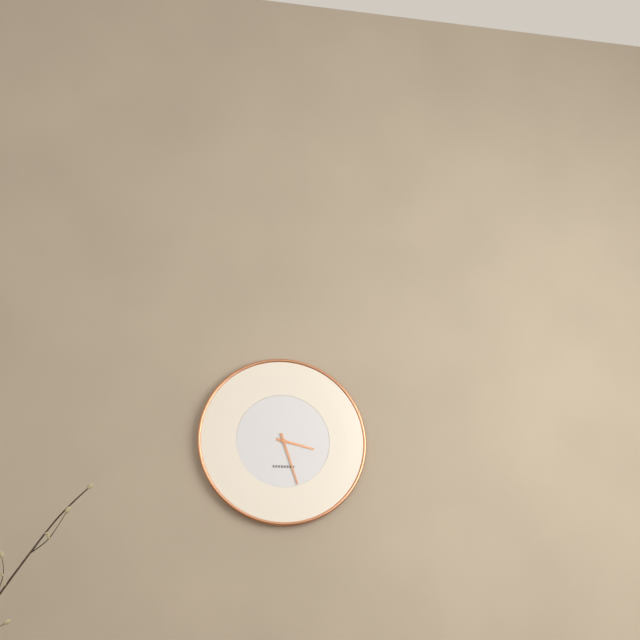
3:27
